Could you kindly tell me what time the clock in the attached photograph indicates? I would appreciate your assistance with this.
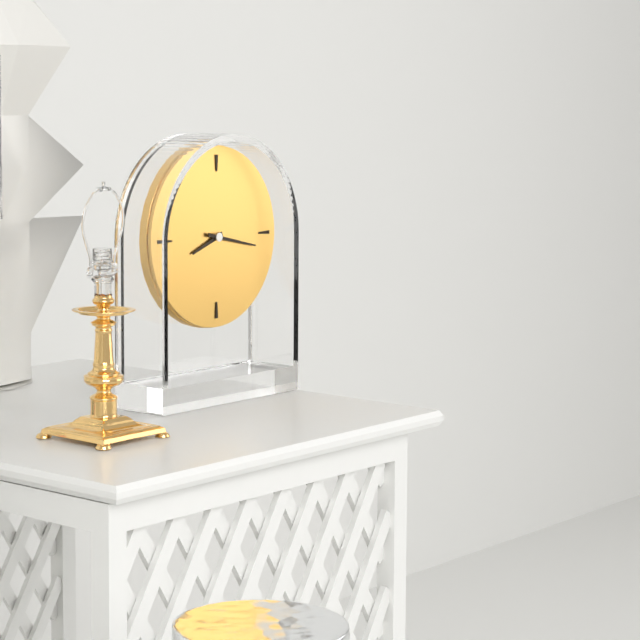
8:17
